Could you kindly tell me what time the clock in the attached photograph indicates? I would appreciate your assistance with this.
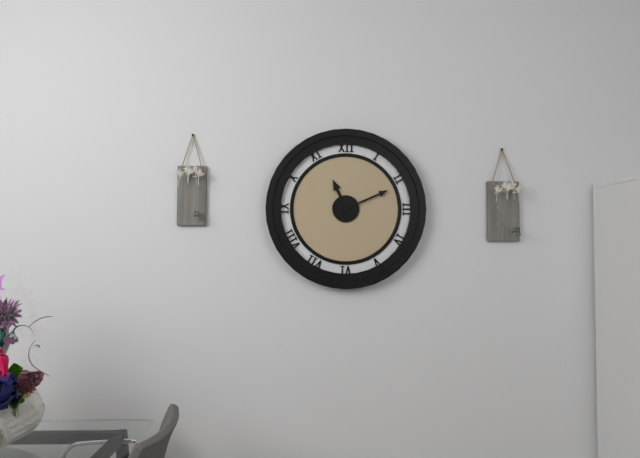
11:11
